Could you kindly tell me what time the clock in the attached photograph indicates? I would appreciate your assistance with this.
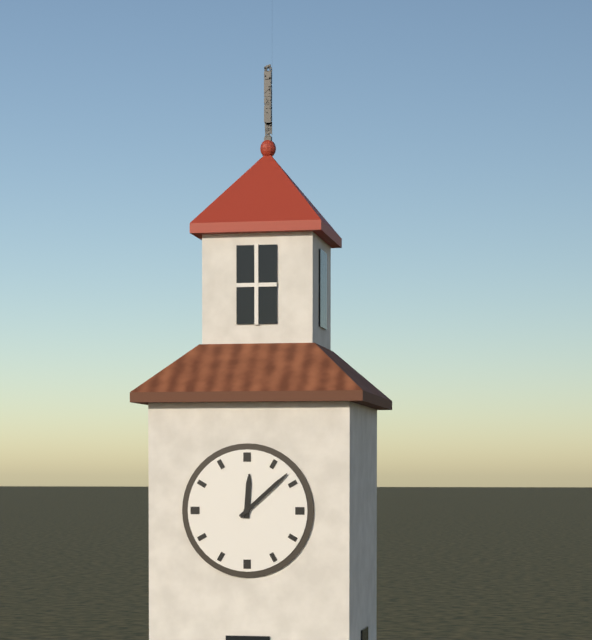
12:08
